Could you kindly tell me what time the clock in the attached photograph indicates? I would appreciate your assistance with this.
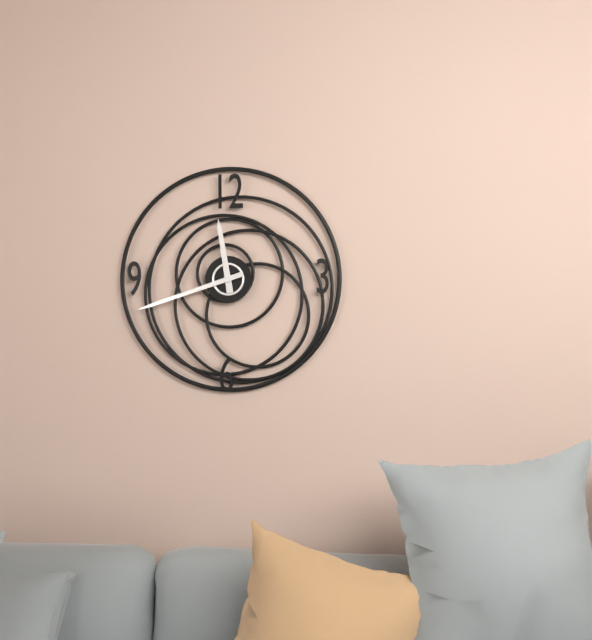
11:42
